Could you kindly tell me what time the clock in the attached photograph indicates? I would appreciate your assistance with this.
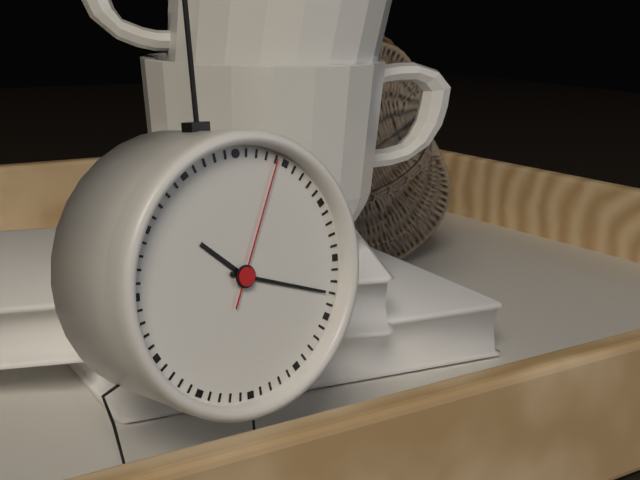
10:18:04
